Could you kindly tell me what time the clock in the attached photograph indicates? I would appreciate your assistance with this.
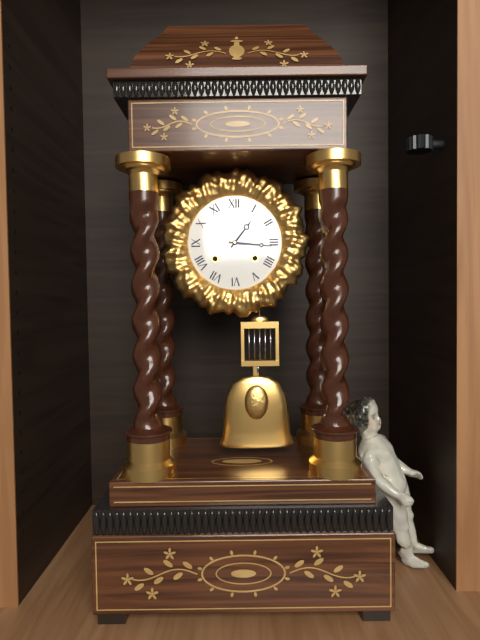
1:16
